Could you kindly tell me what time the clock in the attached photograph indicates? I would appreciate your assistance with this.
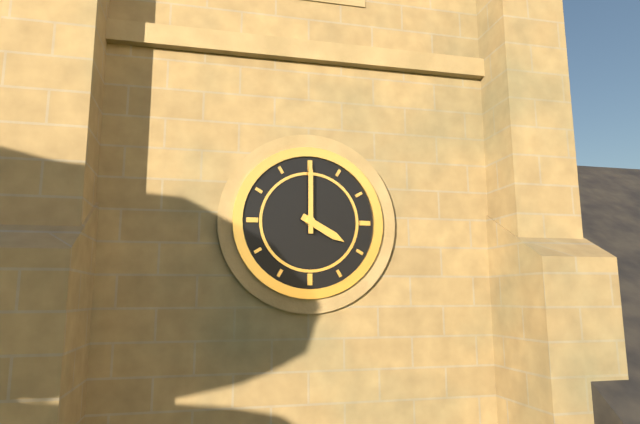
4:00
